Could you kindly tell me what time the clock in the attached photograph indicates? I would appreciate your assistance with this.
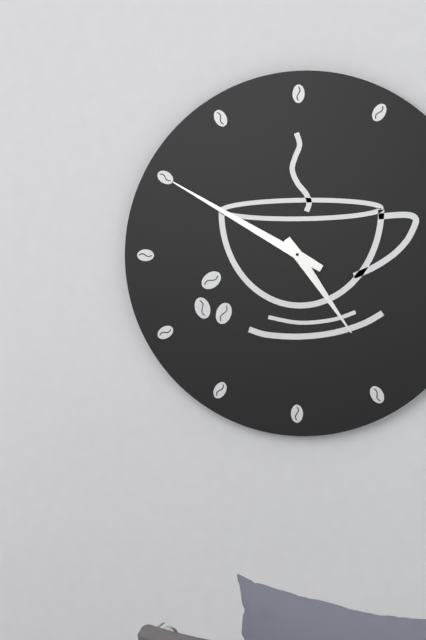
4:50
